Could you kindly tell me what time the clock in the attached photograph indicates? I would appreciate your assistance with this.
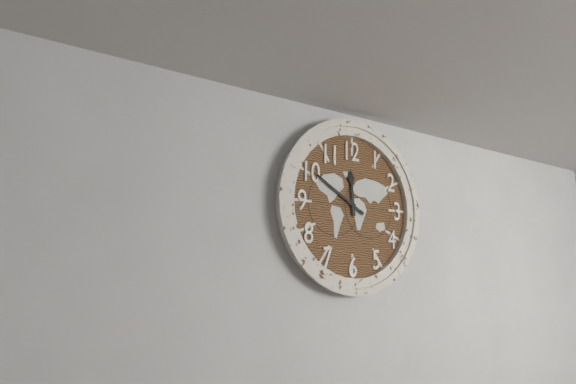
11:50
